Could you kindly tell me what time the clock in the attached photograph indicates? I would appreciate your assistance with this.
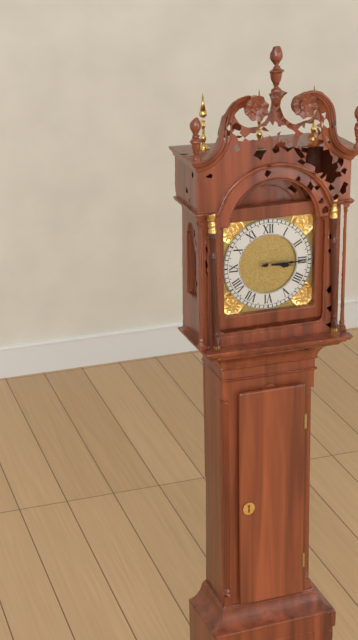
3:15
